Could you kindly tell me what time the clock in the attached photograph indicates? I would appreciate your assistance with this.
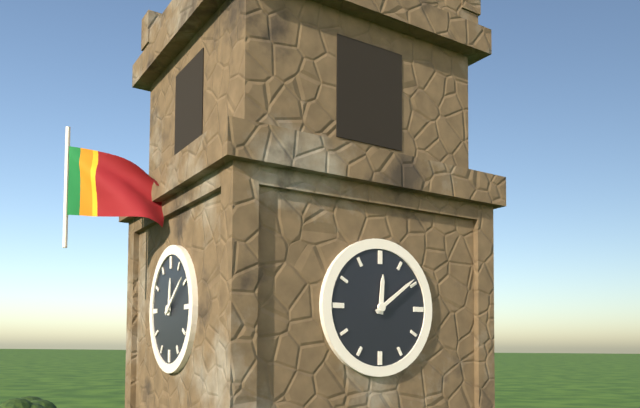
12:09
